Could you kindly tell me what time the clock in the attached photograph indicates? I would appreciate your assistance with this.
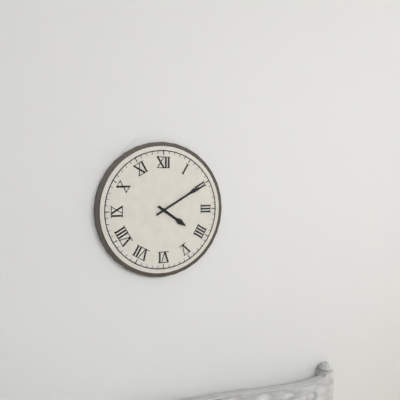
4:10
